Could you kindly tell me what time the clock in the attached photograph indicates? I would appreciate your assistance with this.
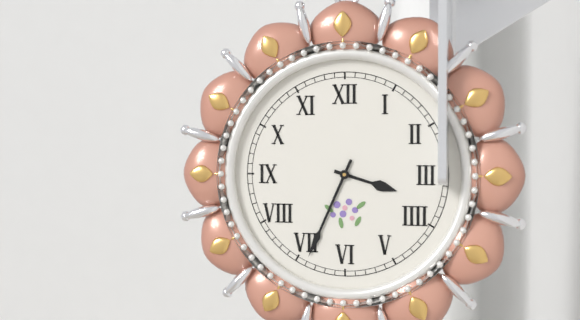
3:34
